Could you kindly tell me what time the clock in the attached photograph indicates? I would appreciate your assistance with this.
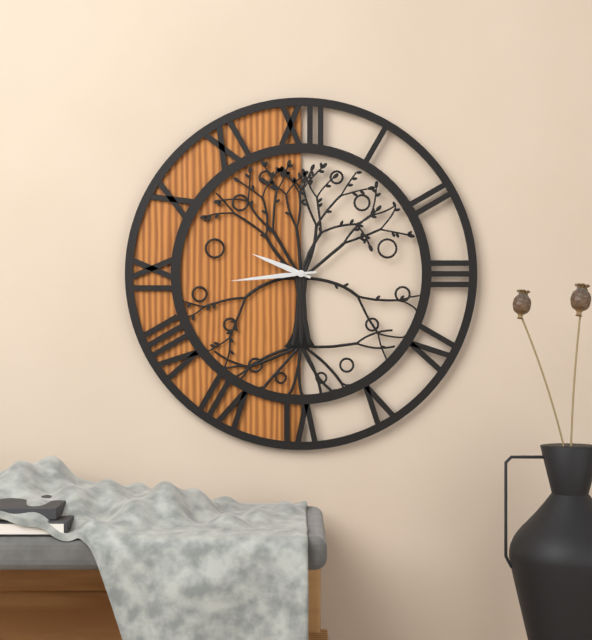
9:44
